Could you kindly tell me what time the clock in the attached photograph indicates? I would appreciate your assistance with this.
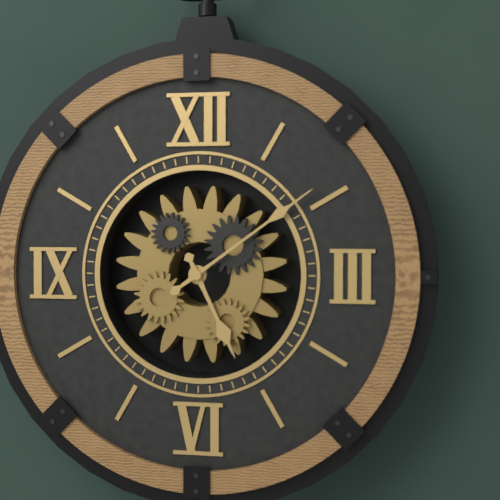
5:09
